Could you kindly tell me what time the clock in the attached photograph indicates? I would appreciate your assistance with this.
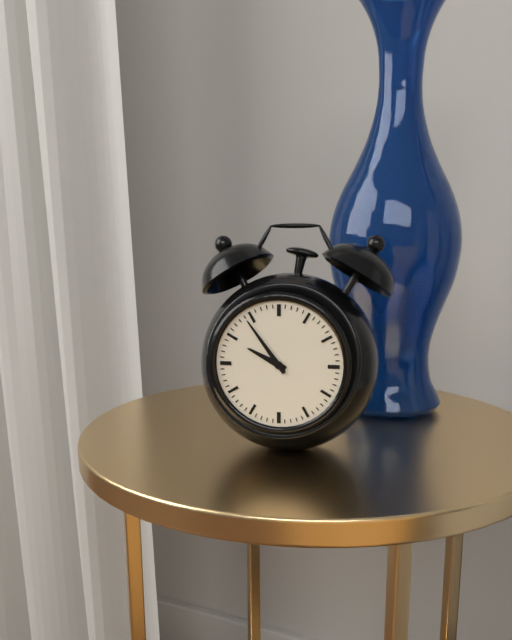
9:54
